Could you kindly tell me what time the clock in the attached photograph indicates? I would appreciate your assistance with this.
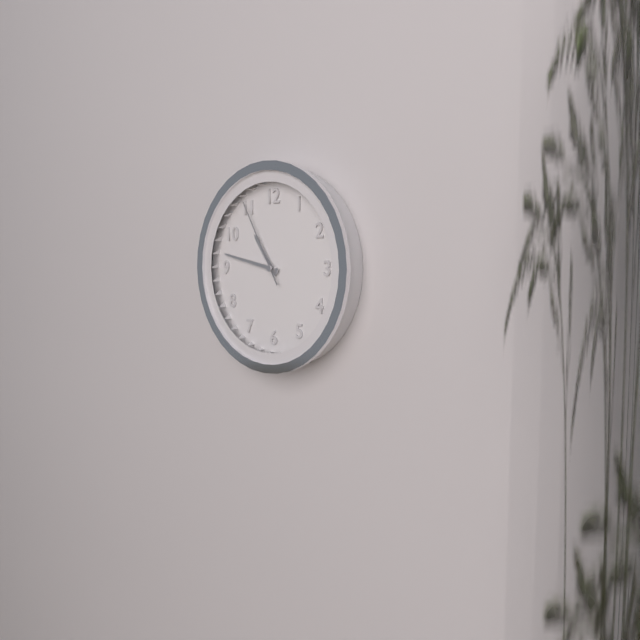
10:47:55
